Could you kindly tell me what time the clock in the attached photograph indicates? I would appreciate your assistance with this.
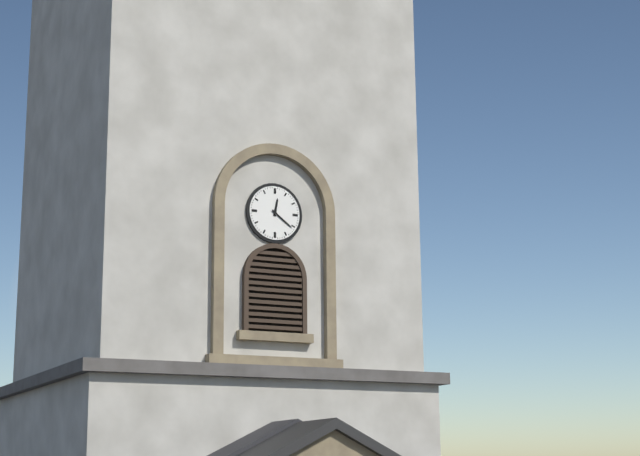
12:21
